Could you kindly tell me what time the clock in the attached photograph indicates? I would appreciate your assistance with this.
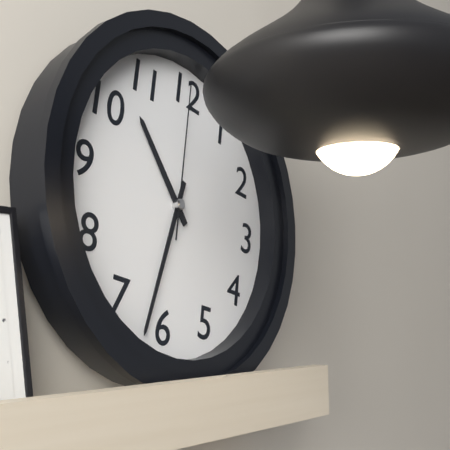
10:32:00
